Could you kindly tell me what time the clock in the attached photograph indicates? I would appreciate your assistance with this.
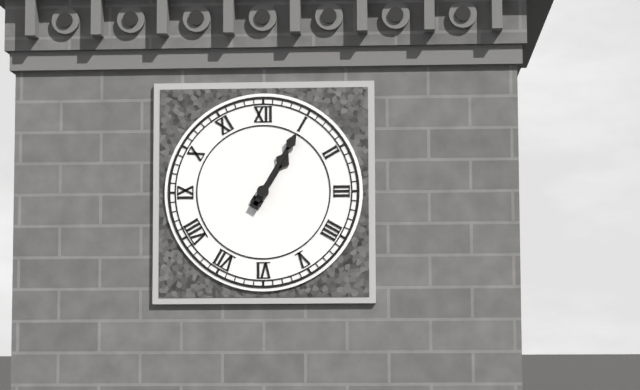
1:05
